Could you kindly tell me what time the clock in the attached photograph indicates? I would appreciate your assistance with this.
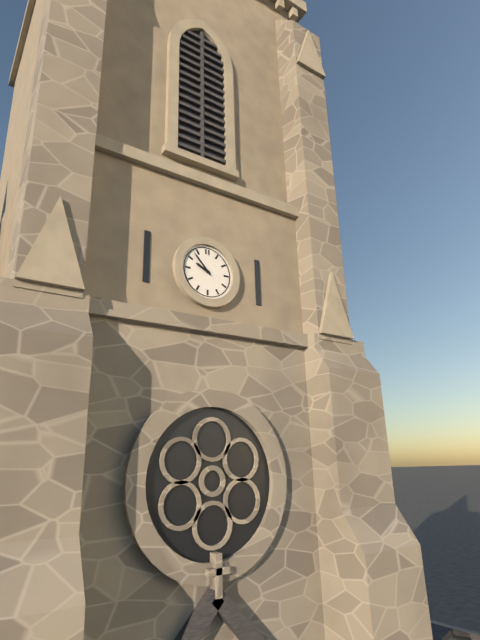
9:53
